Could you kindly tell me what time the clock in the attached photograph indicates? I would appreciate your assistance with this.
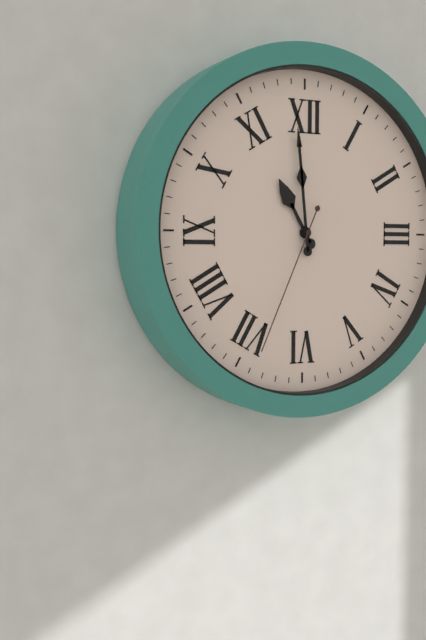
10:59:34
